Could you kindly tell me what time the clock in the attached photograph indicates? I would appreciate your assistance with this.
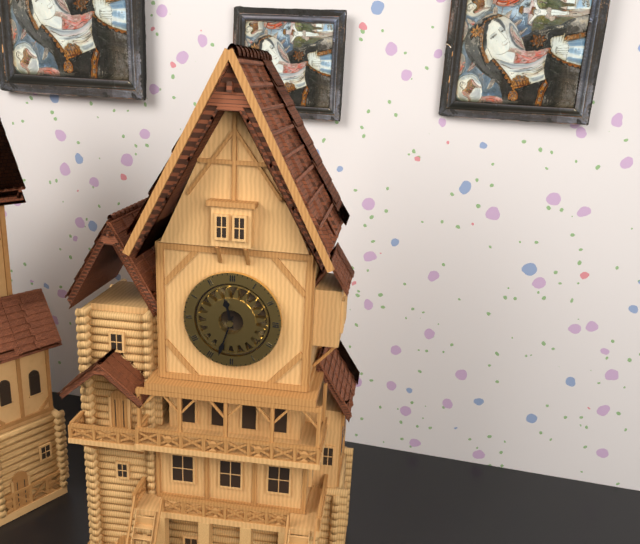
11:33
